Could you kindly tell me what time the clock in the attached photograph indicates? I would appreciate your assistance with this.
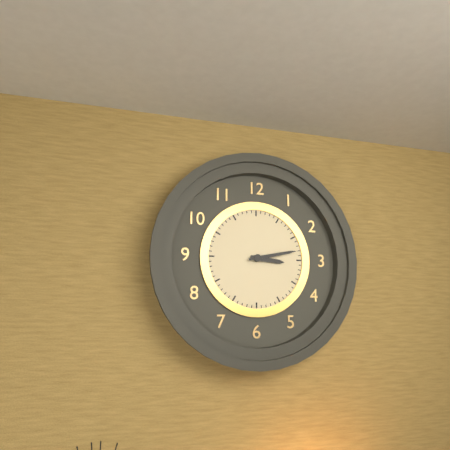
3:13
